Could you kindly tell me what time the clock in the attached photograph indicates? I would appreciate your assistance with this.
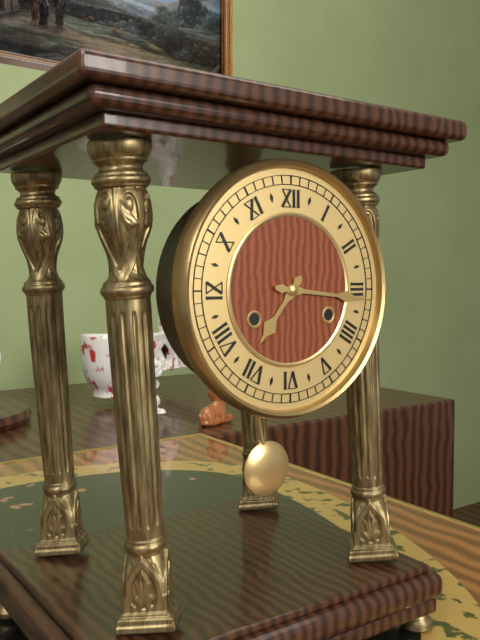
7:16
